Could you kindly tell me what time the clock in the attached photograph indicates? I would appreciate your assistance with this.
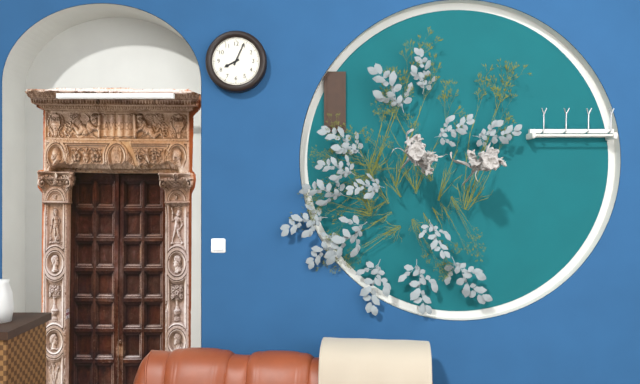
8:04
